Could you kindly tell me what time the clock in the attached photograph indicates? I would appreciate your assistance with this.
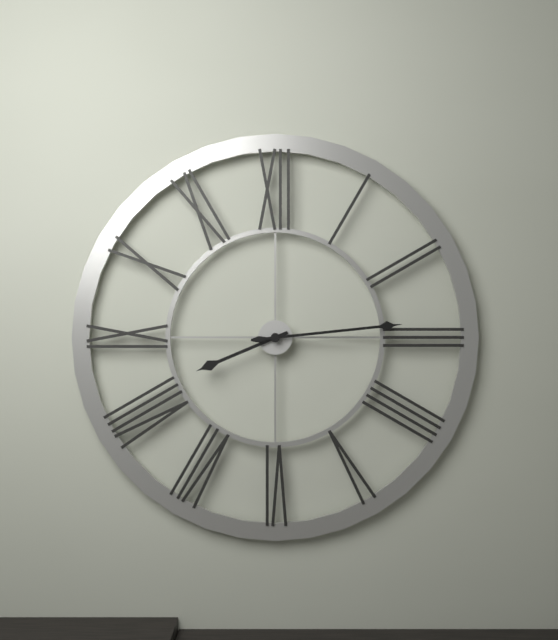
8:14
